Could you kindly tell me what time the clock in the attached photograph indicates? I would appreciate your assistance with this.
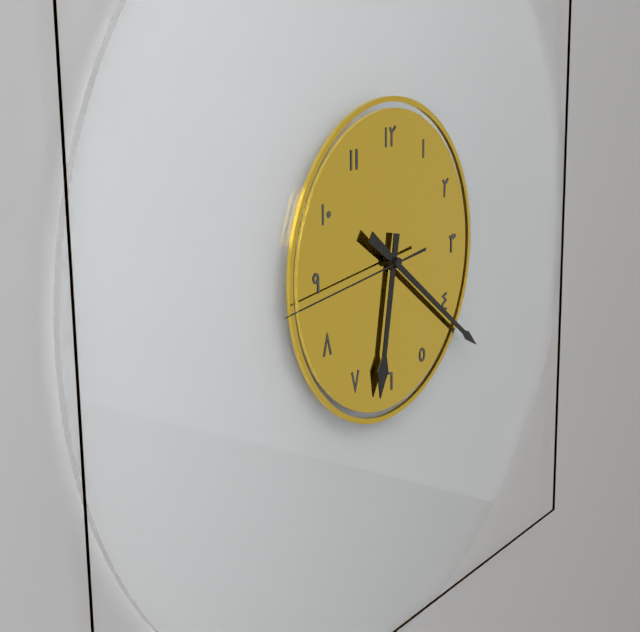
6:21:44
